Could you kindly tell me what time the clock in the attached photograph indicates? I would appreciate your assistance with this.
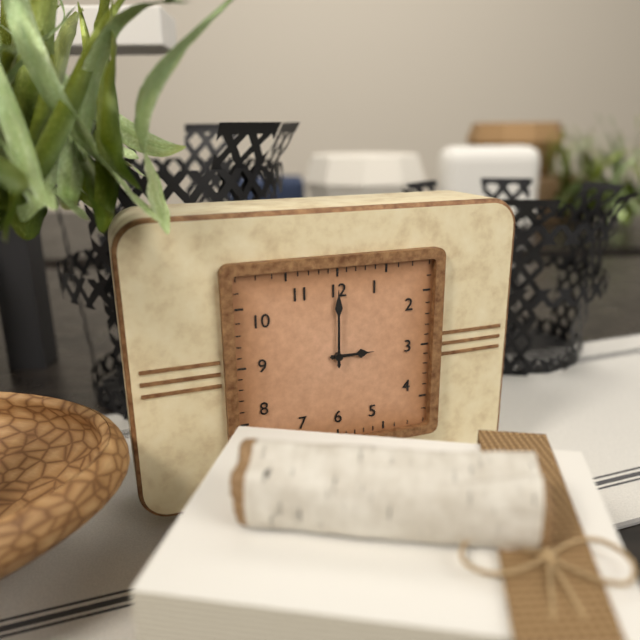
3:00
